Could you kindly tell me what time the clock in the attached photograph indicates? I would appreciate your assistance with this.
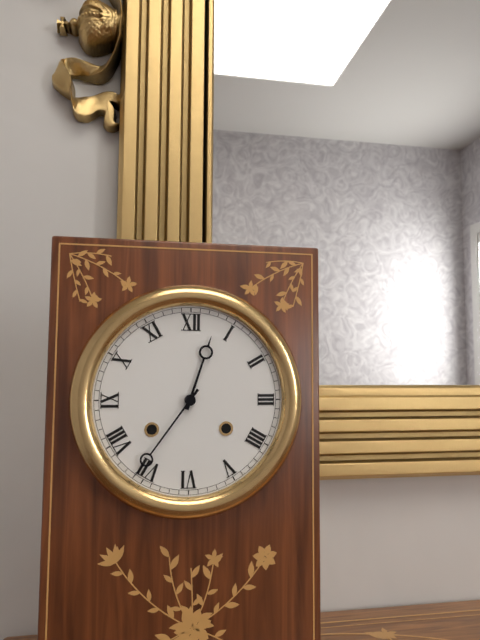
12:36
